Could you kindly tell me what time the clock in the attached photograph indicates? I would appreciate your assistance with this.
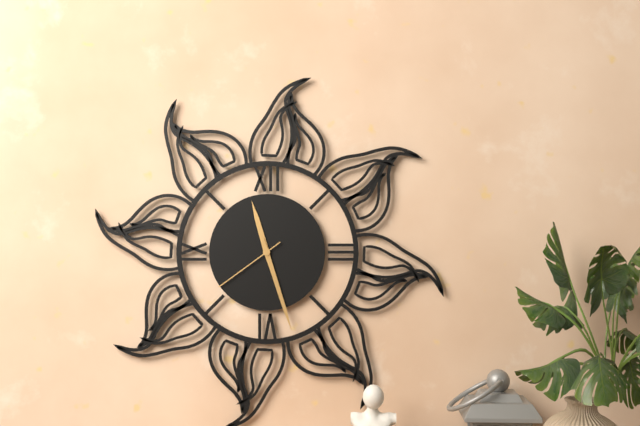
11:27:39
